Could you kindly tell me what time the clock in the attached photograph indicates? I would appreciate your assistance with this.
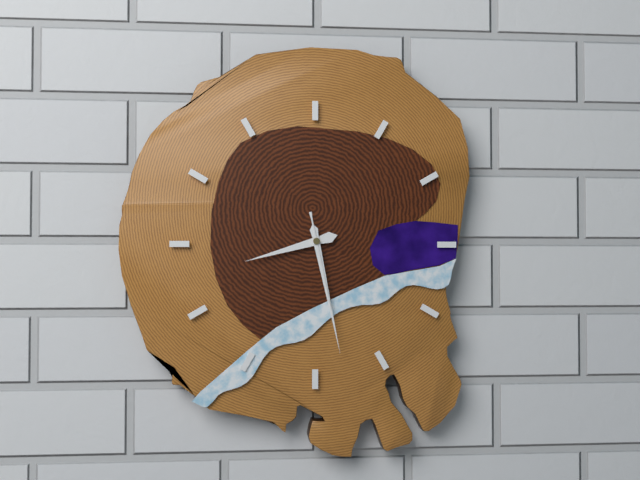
8:28:28
